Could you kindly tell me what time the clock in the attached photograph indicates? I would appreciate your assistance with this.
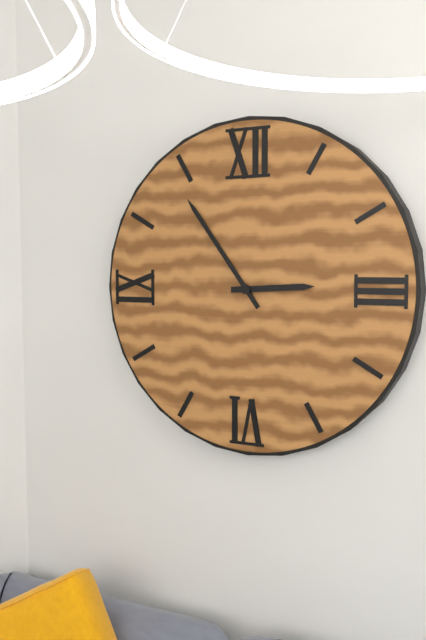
2:54
